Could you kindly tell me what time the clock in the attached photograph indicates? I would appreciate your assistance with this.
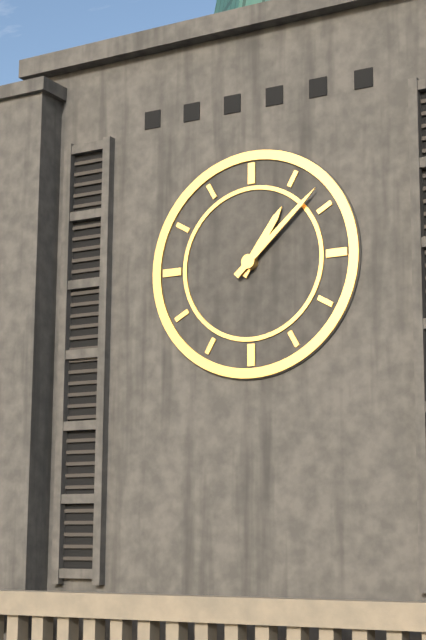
1:08
